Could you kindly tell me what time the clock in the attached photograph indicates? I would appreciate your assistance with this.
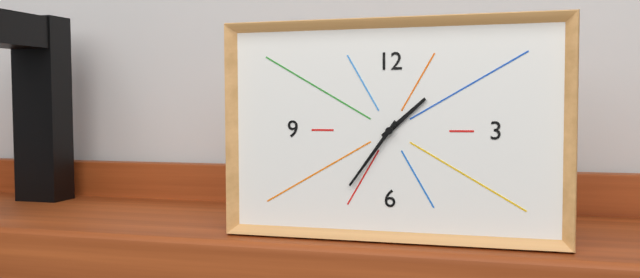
1:36
